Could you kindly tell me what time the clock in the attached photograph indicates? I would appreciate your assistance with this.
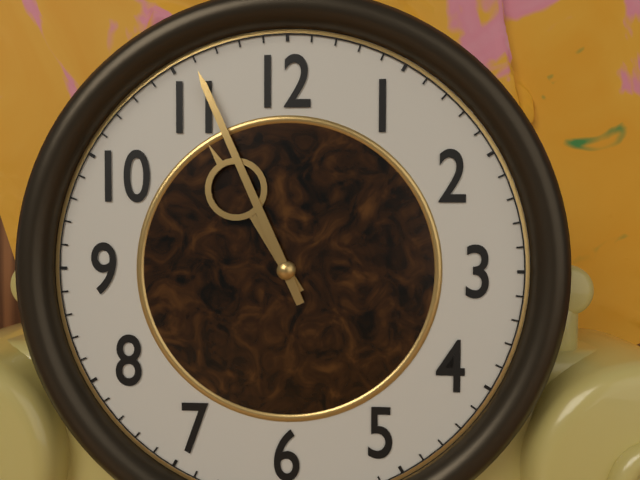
10:56
